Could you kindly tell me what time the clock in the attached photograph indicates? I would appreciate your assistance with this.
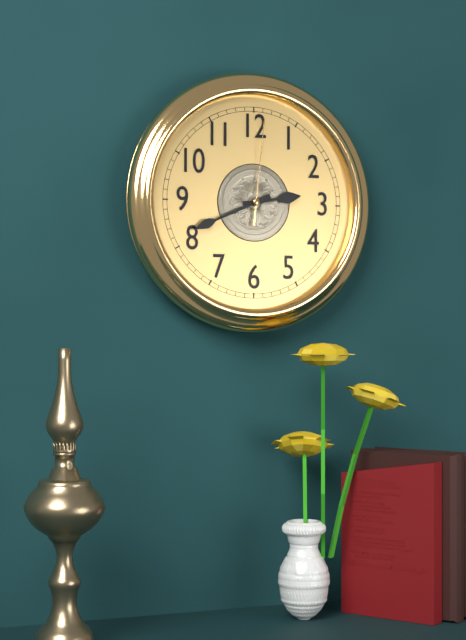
2:41:01
